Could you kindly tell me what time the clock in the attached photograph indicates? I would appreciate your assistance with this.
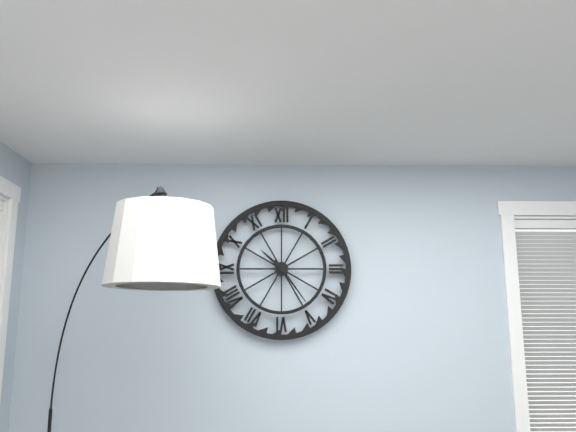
10:24
